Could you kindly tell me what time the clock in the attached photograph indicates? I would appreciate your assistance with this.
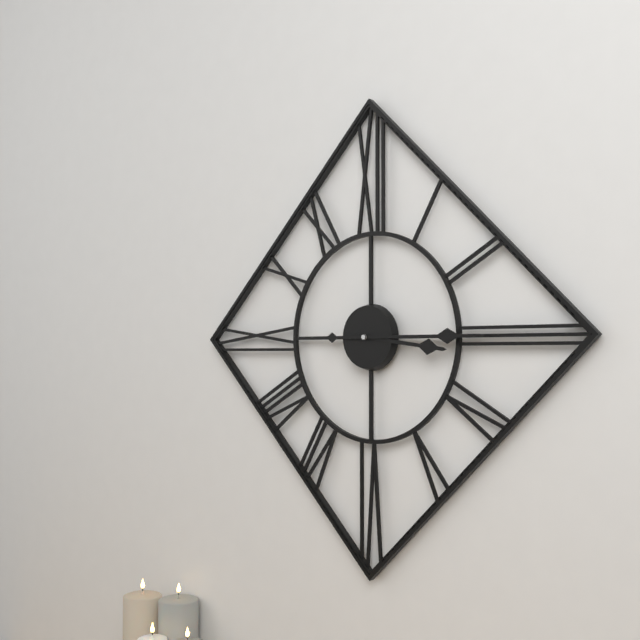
3:15
